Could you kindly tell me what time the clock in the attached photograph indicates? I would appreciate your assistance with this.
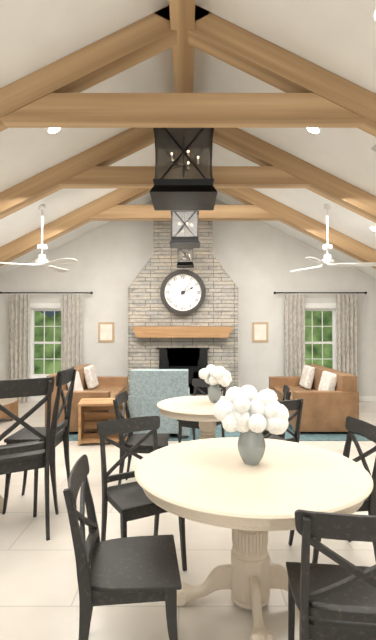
2:06
